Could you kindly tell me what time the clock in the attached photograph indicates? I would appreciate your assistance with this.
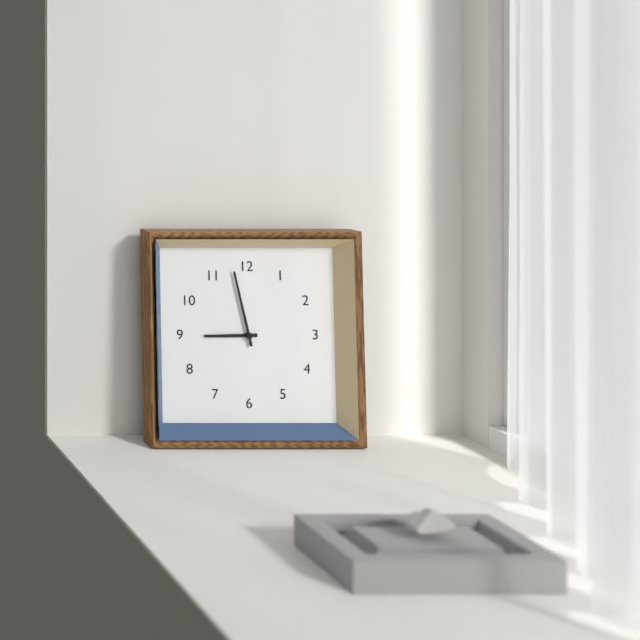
8:58
